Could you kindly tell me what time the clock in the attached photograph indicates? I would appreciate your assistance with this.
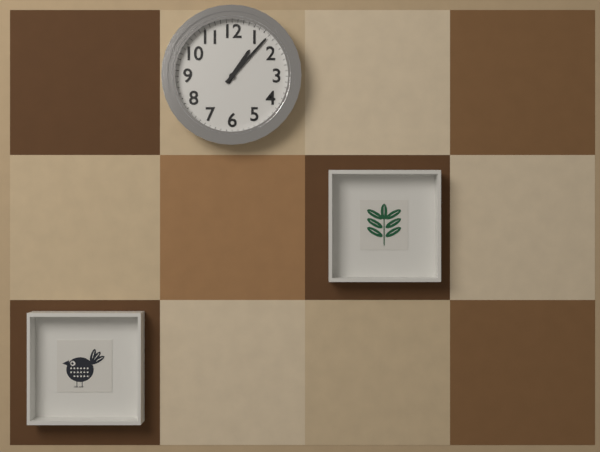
1:07
